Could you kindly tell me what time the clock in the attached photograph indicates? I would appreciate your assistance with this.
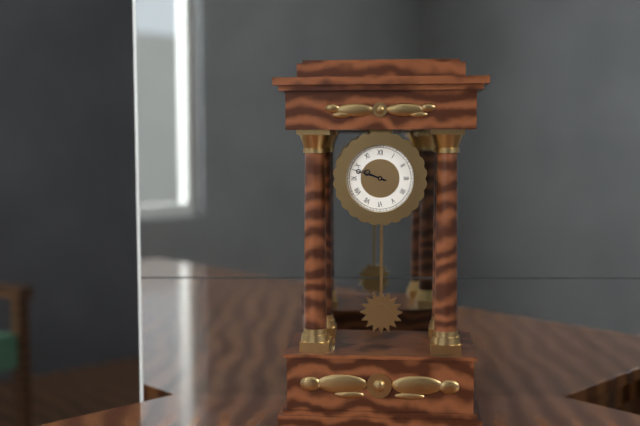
9:48
